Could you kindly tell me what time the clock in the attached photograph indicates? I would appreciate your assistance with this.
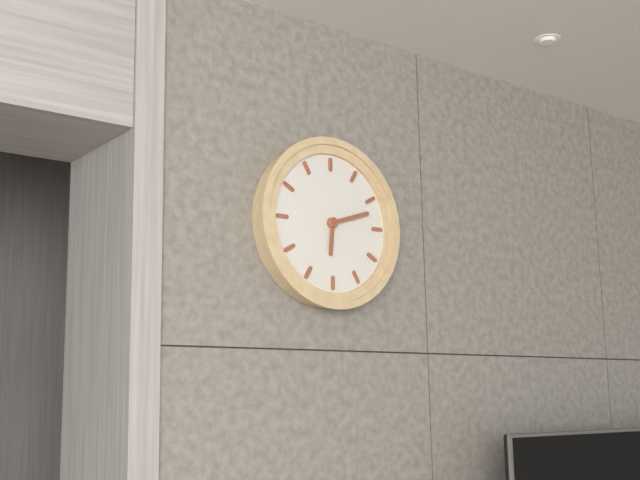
6:12
